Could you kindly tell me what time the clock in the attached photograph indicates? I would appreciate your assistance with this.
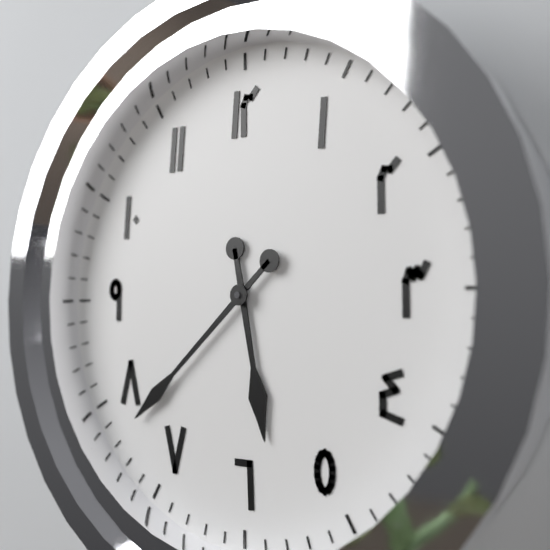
5:38
